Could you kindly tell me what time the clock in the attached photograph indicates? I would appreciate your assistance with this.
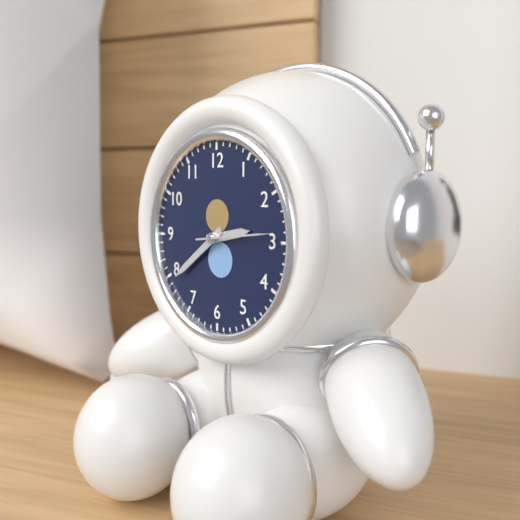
2:39:14
